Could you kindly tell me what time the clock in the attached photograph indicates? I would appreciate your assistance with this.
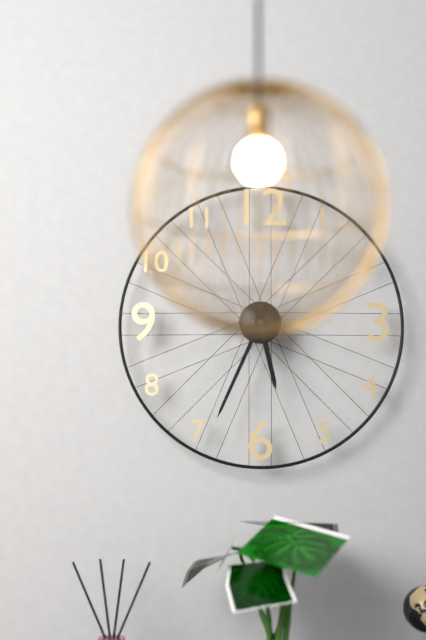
5:34
